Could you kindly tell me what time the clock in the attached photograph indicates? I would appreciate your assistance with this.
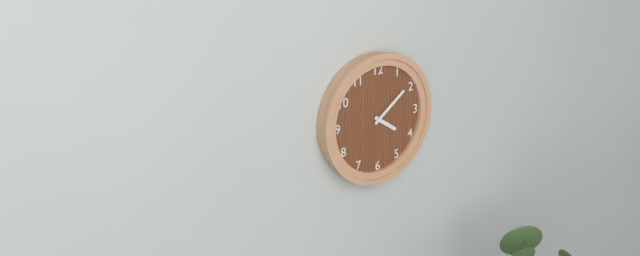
4:09
